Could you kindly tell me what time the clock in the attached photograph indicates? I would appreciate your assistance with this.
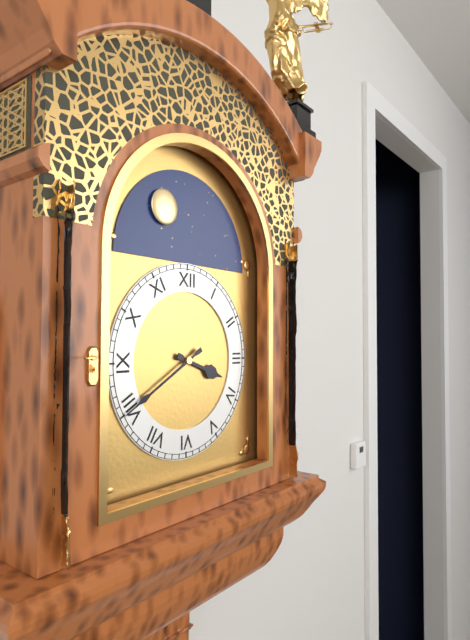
3:40
